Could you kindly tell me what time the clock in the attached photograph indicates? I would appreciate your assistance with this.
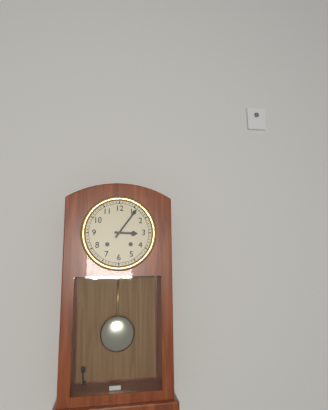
3:06
